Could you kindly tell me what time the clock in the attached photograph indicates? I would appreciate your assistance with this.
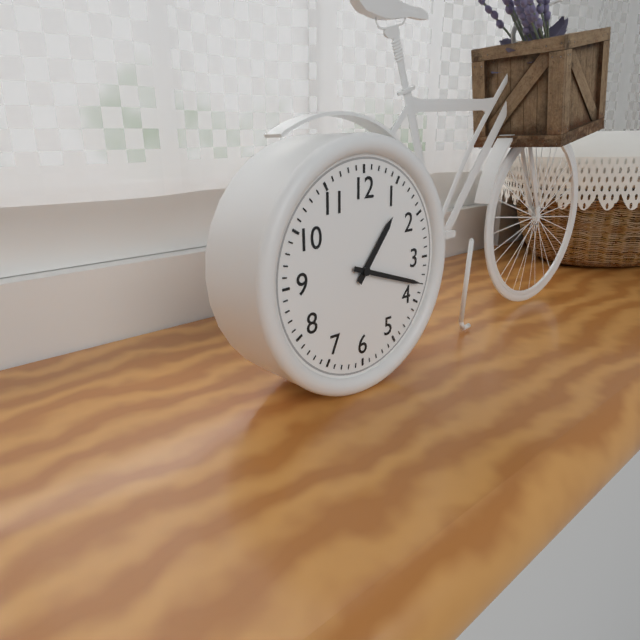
1:18
